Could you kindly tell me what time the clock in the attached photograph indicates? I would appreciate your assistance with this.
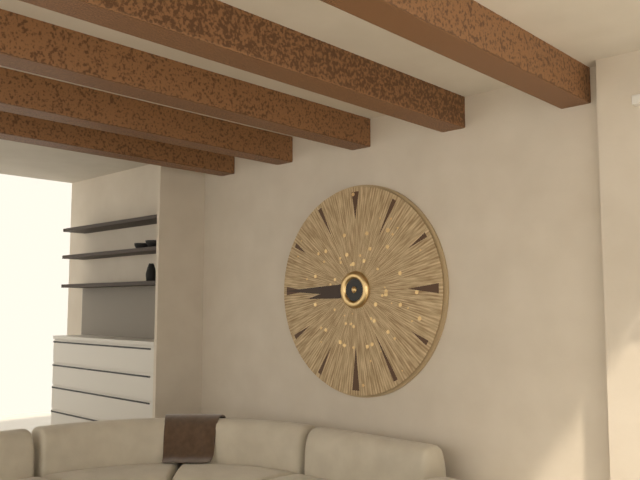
8:45
